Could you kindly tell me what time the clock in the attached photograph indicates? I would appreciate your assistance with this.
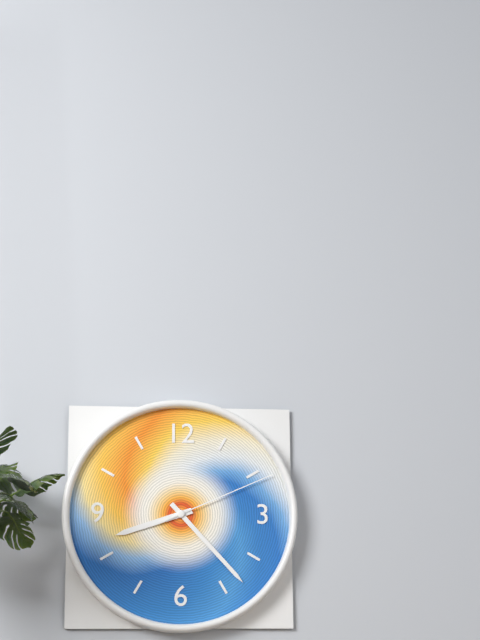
8:23:11
